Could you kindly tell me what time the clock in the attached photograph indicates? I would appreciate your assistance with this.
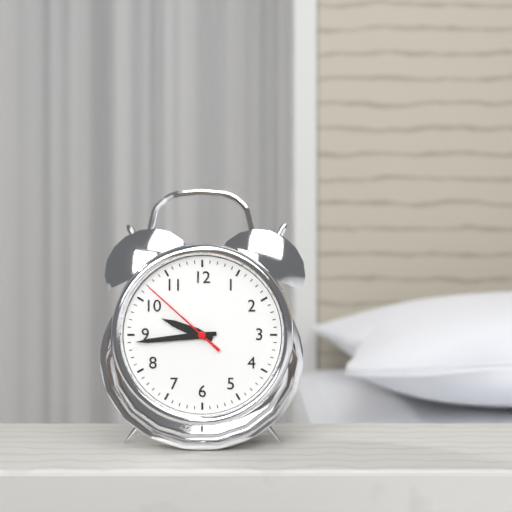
9:44:52
